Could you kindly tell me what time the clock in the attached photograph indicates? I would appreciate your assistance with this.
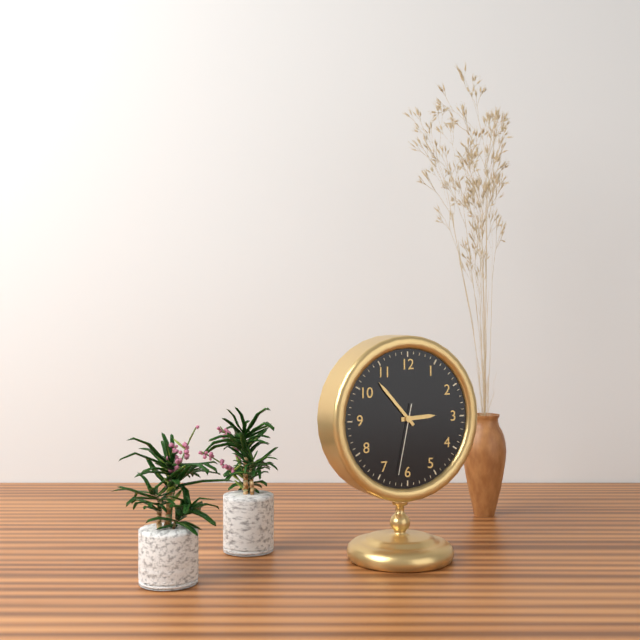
2:53:32
